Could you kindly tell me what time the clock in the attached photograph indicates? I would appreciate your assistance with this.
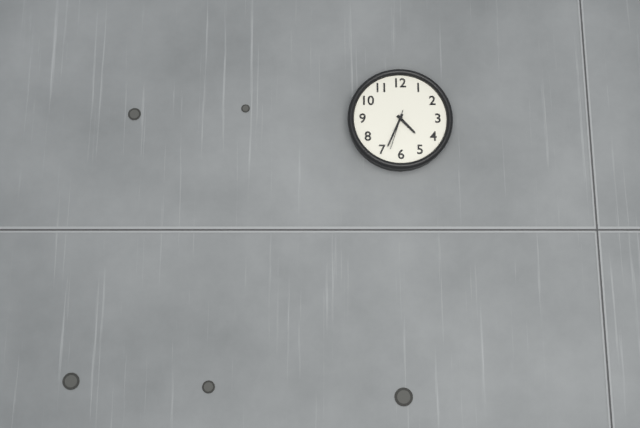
4:34
